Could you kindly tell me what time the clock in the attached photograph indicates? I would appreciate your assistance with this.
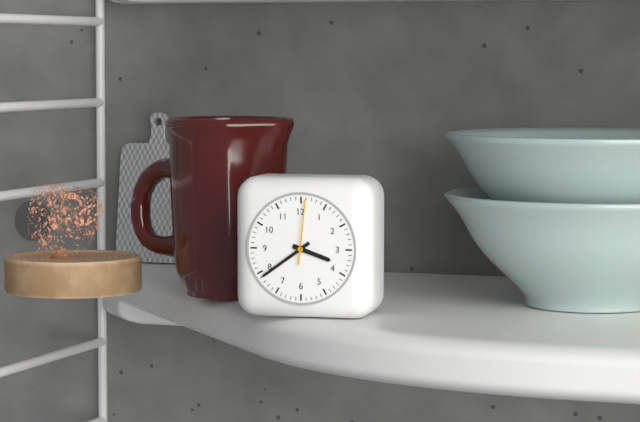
3:39:01
